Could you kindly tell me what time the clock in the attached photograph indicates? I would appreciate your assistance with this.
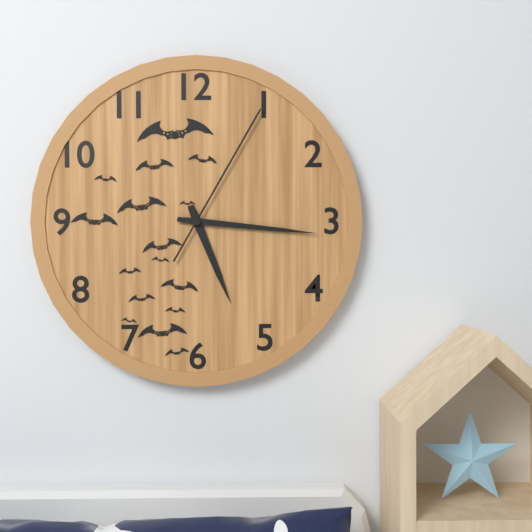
5:16:05
